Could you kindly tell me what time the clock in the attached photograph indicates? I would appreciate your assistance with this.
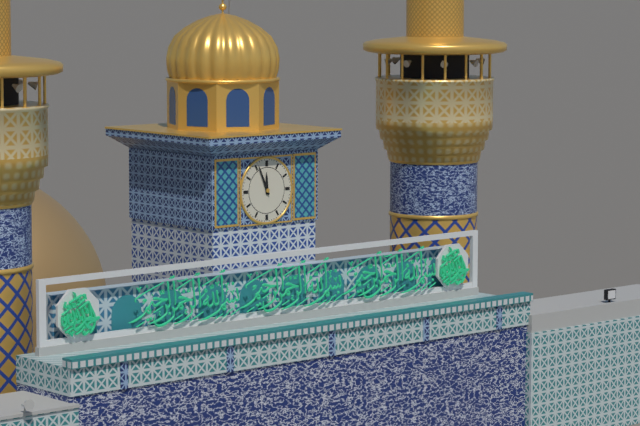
11:56
